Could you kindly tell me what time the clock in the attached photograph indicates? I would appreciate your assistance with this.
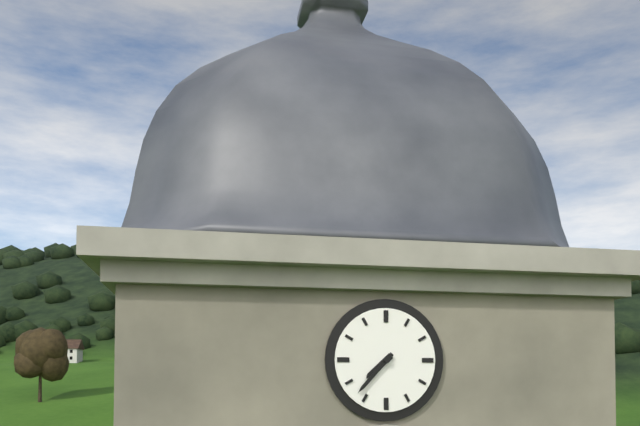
7:37
